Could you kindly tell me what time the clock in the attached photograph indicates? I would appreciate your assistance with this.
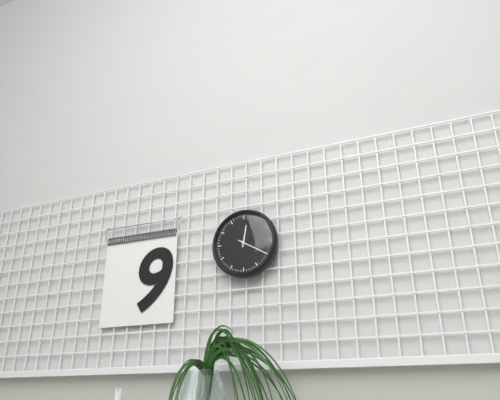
12:20
